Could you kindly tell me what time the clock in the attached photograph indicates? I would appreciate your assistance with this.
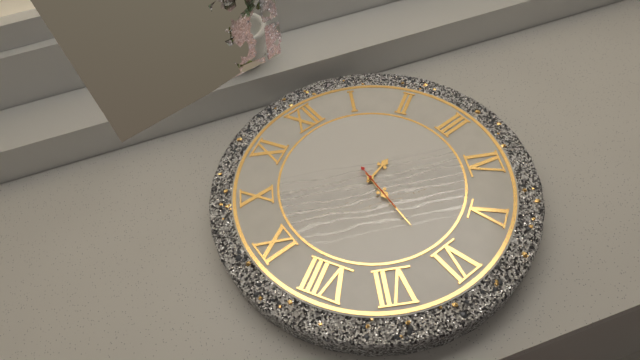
2:31
